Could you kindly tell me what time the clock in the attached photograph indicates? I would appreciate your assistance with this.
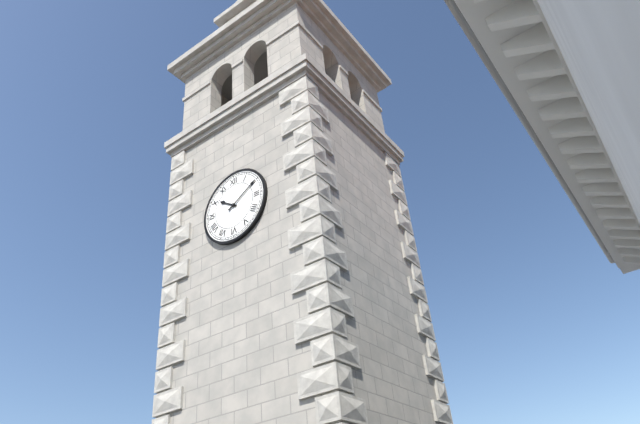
10:10
